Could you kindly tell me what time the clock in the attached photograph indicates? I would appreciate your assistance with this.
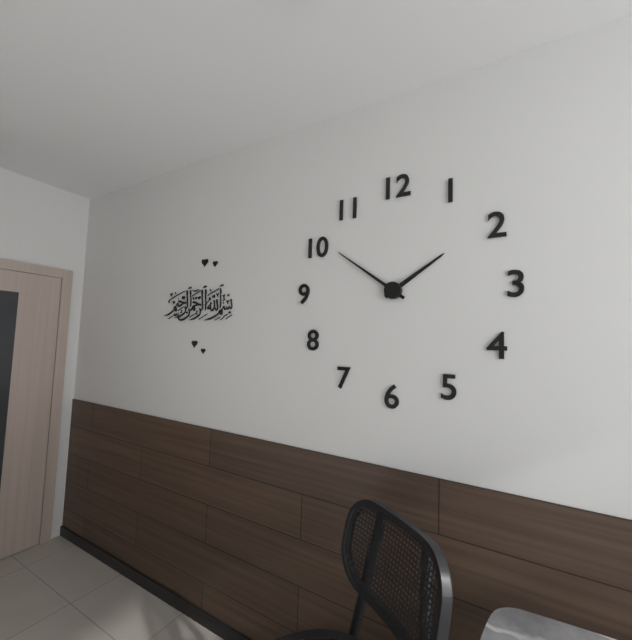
1:51
